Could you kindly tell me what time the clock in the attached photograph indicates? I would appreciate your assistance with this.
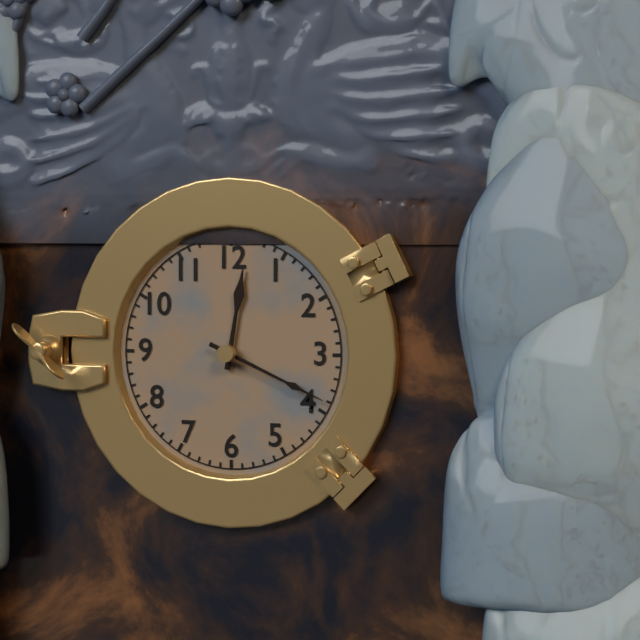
12:19
